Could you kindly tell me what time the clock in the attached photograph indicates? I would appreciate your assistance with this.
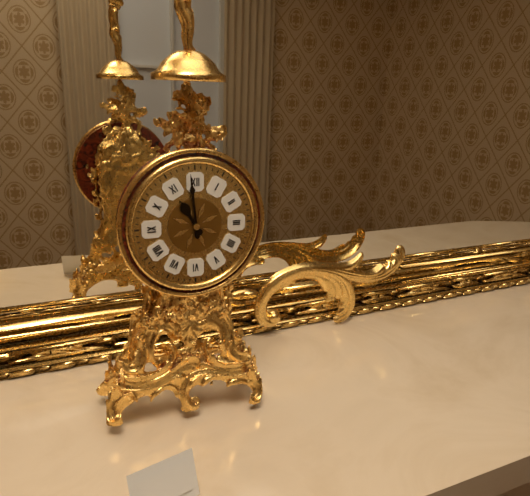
10:59
